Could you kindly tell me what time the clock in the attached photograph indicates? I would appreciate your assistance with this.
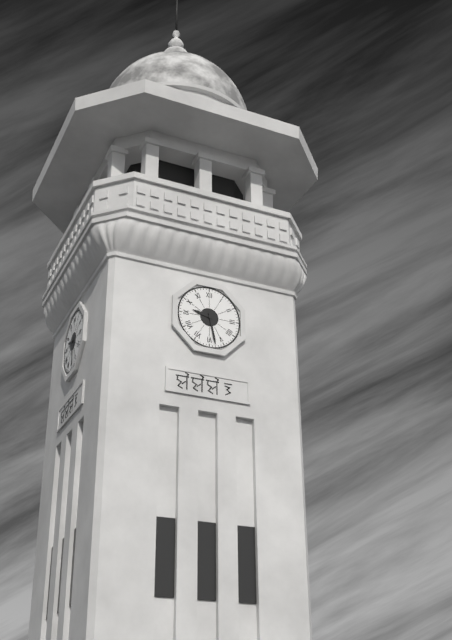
9:28
